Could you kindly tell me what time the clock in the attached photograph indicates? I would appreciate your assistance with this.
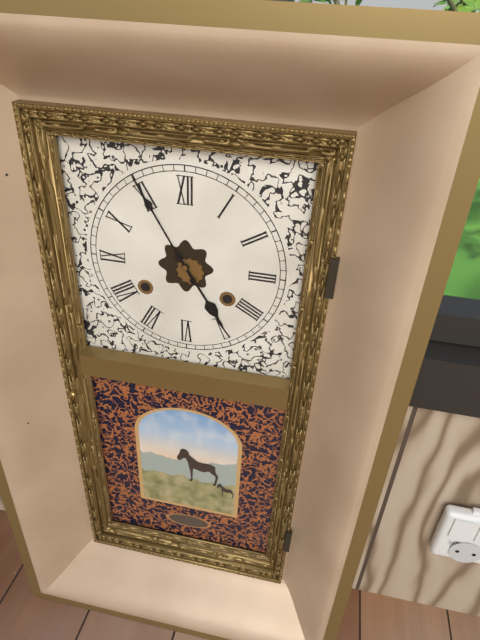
4:55
